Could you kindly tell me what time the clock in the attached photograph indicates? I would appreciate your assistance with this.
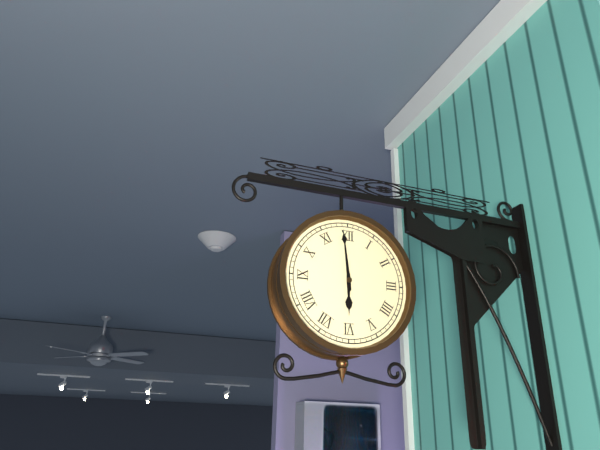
5:59
